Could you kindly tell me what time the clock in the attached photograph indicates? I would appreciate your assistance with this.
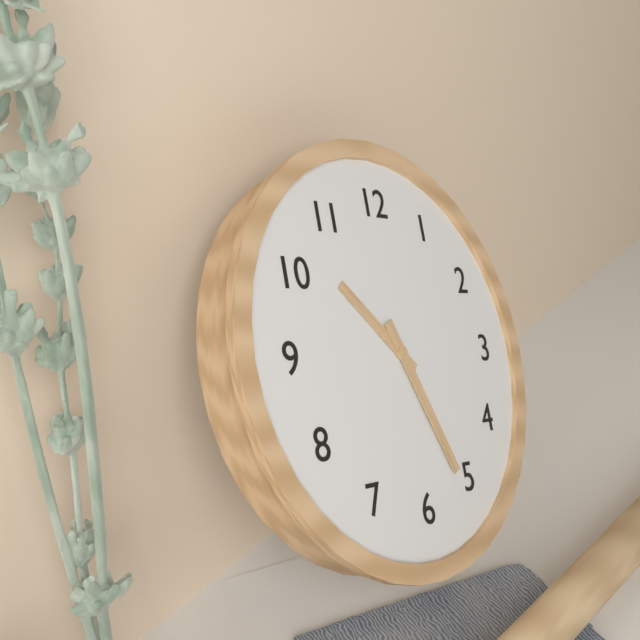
10:26
